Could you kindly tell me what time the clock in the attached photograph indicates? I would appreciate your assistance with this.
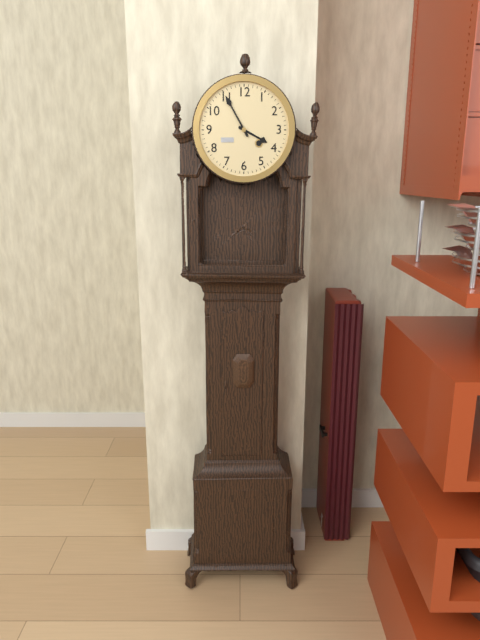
3:55
